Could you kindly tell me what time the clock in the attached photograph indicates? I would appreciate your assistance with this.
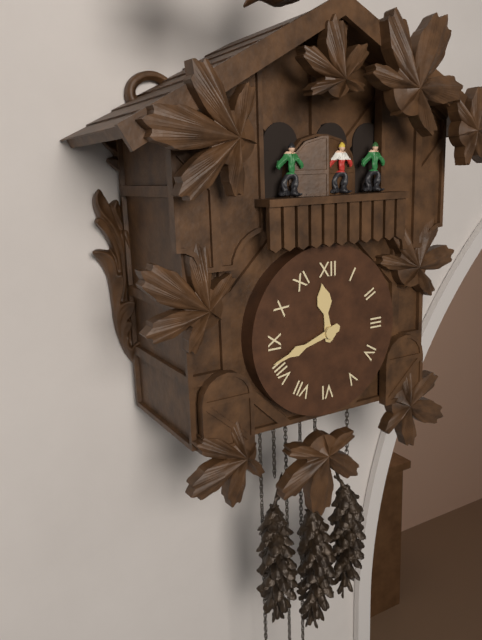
11:42
